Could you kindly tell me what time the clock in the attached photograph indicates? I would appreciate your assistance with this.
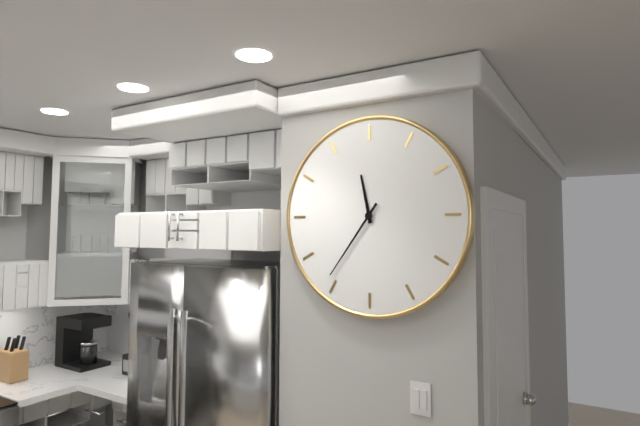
11:36
